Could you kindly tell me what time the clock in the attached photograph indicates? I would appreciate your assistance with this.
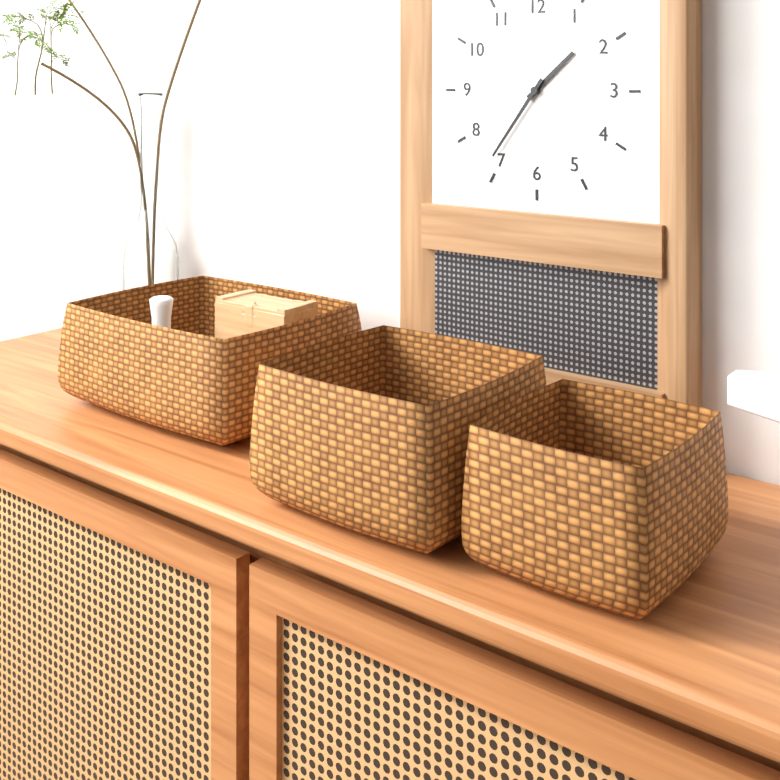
1:36
